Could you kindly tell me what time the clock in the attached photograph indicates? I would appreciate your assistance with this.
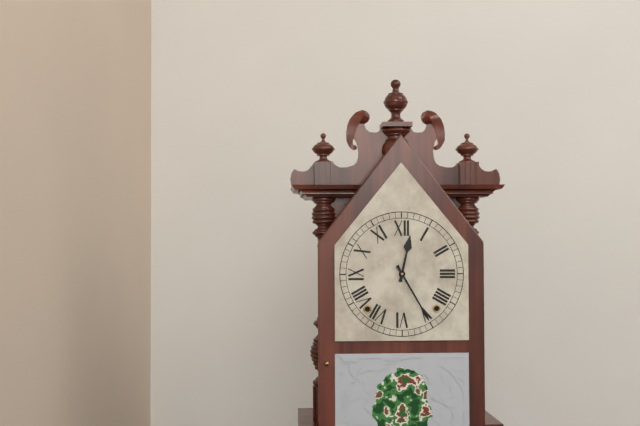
12:25
